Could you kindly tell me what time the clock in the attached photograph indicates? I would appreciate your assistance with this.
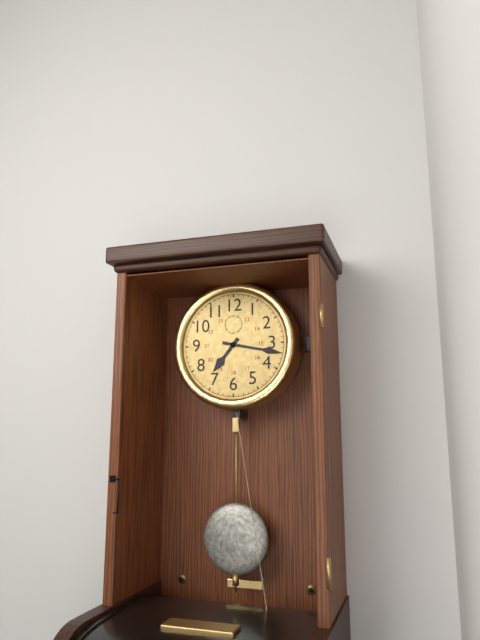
7:17
